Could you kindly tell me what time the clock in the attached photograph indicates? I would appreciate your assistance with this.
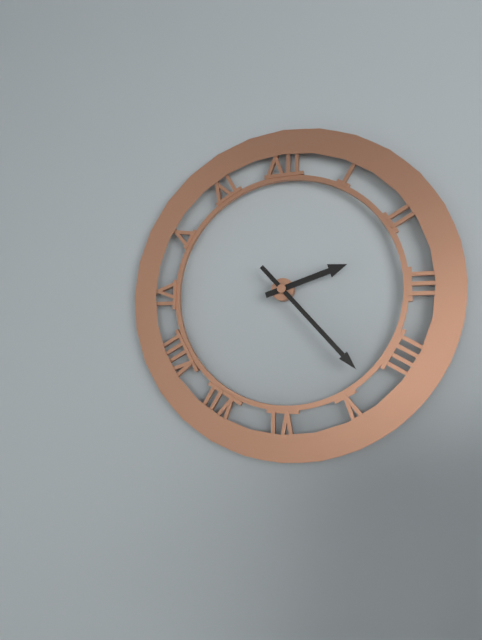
2:23
